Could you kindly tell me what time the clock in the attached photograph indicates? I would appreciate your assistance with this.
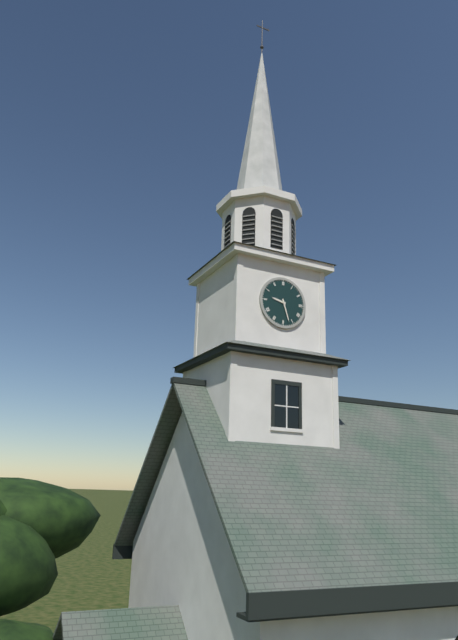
9:27
